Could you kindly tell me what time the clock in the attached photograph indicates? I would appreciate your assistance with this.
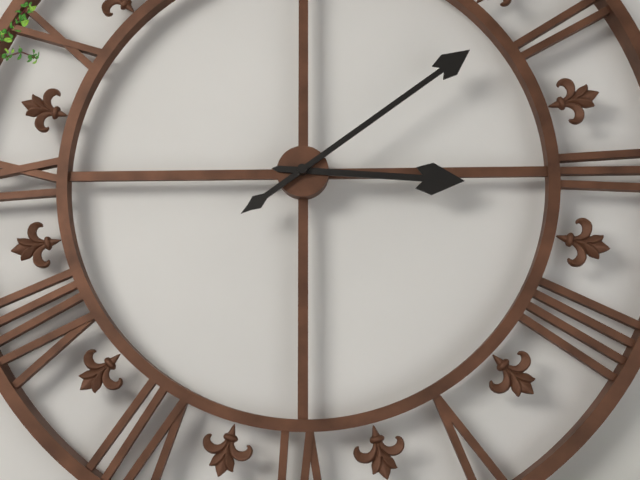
3:09
